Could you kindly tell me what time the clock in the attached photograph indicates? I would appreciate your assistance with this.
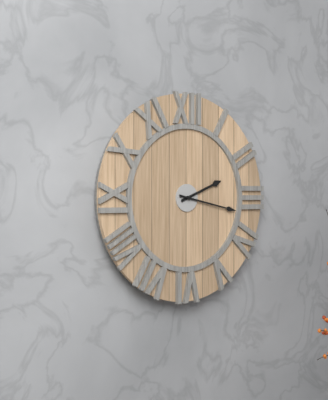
2:17
